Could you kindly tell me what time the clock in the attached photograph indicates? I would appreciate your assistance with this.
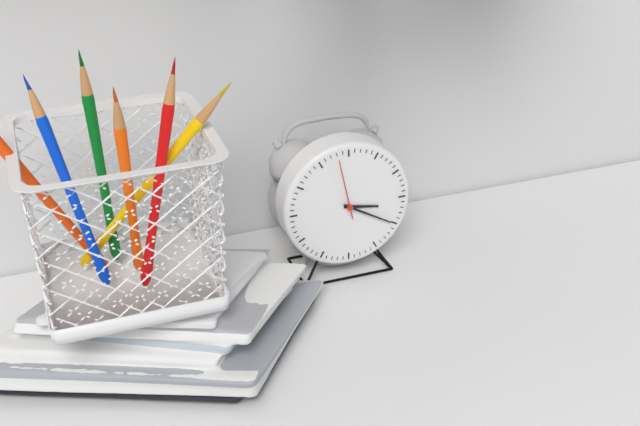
3:20:58
